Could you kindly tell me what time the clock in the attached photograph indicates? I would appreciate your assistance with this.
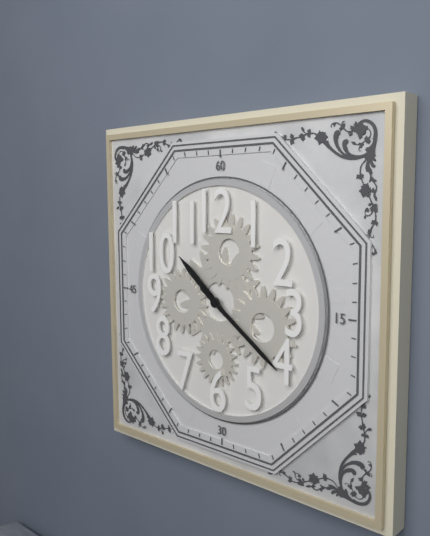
10:21
